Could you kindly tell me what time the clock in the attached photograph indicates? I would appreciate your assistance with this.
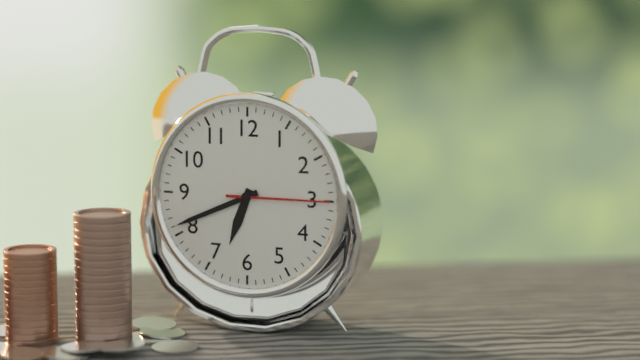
6:41:15
